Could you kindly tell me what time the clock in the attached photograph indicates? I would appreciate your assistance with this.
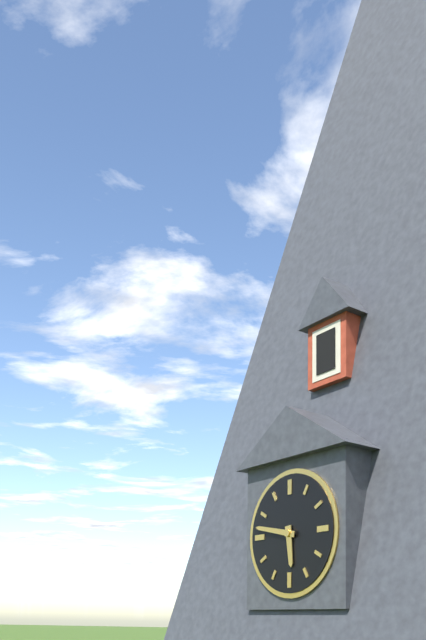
5:47
